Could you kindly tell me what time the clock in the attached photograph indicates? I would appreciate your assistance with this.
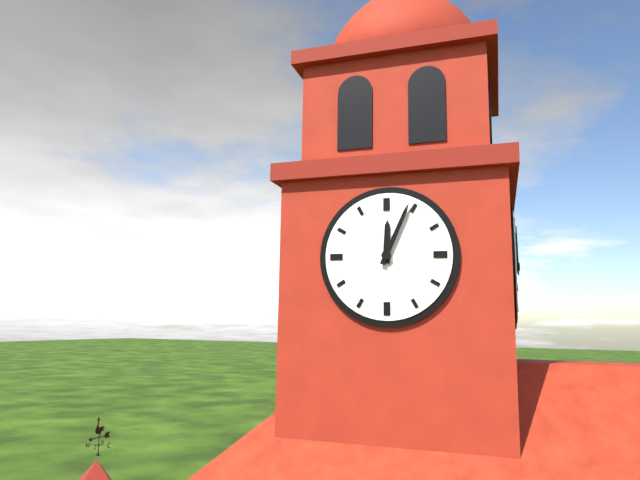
12:04
